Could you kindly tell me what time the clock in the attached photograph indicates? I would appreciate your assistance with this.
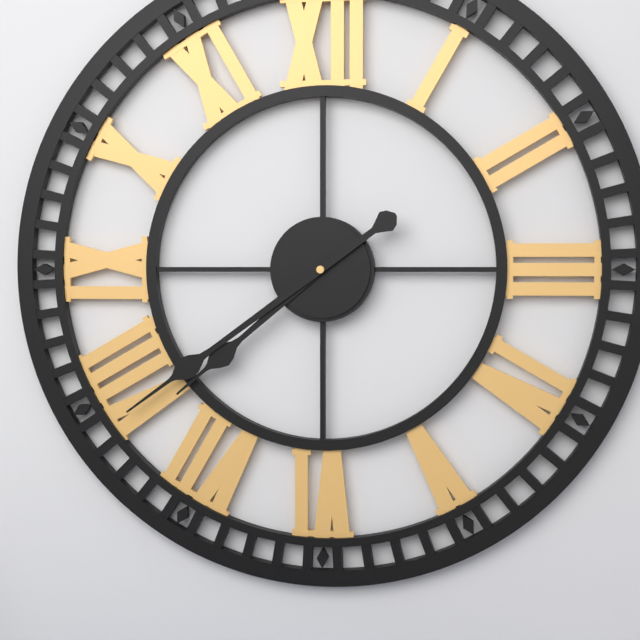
7:39
